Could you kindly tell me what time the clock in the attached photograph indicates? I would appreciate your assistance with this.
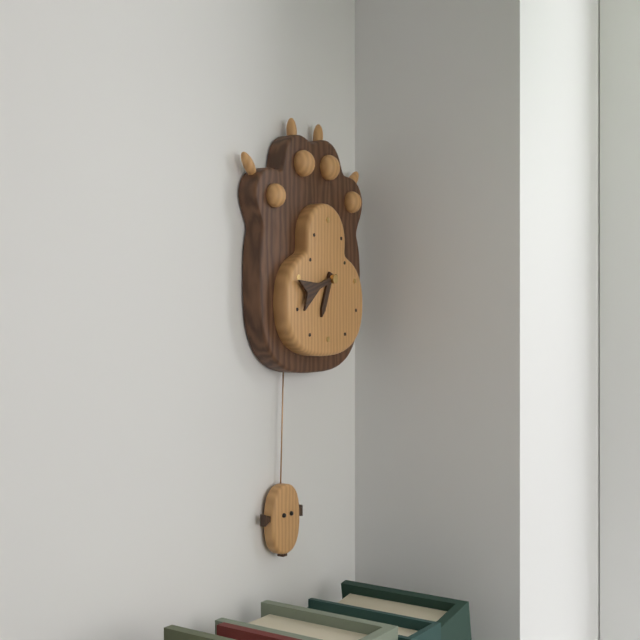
6:42
